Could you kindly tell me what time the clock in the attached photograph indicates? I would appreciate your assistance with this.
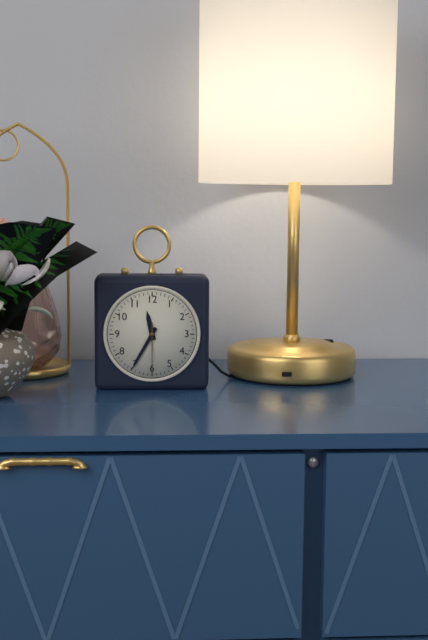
11:35:30
